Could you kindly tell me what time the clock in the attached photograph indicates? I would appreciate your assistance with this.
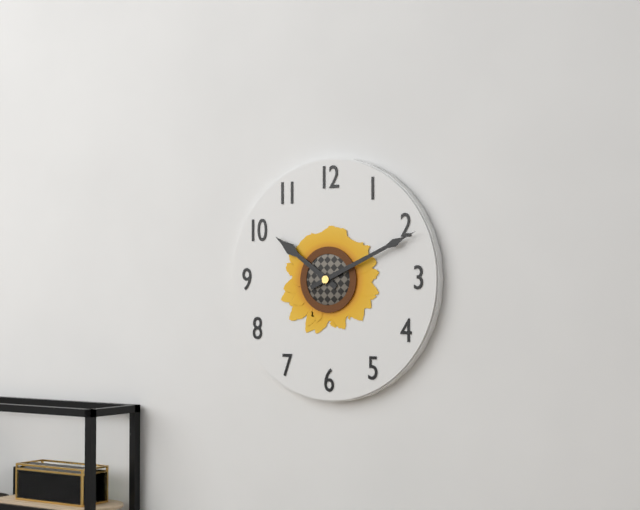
10:11
